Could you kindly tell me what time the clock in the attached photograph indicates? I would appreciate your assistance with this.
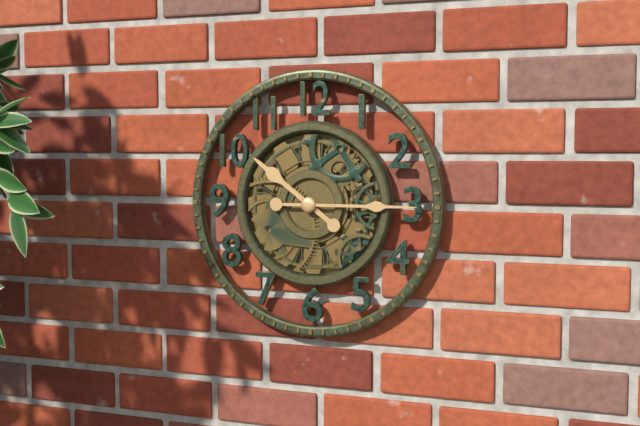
10:15
